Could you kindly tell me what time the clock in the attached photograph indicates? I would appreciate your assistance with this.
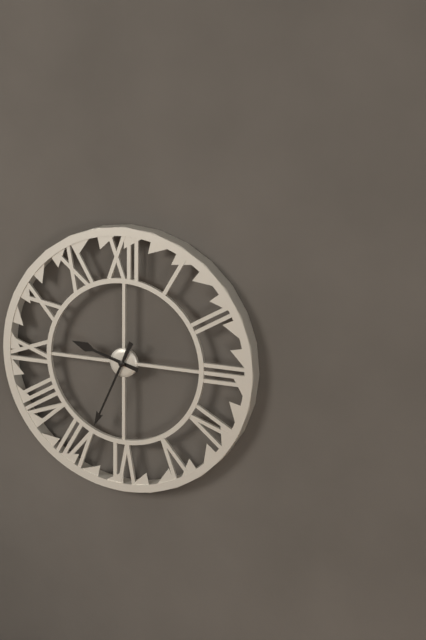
9:34
